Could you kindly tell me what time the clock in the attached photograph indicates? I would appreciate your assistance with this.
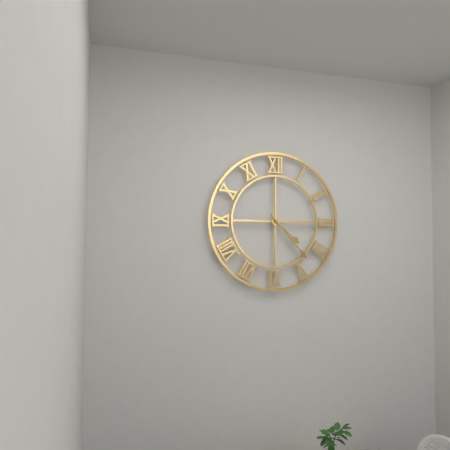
4:23
